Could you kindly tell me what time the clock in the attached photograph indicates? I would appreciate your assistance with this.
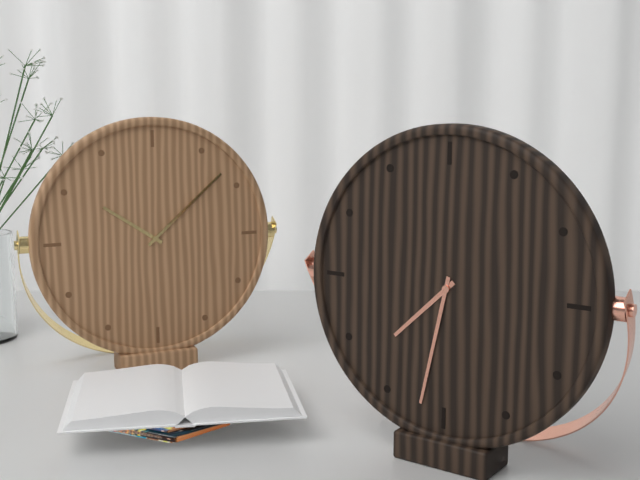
7:32
